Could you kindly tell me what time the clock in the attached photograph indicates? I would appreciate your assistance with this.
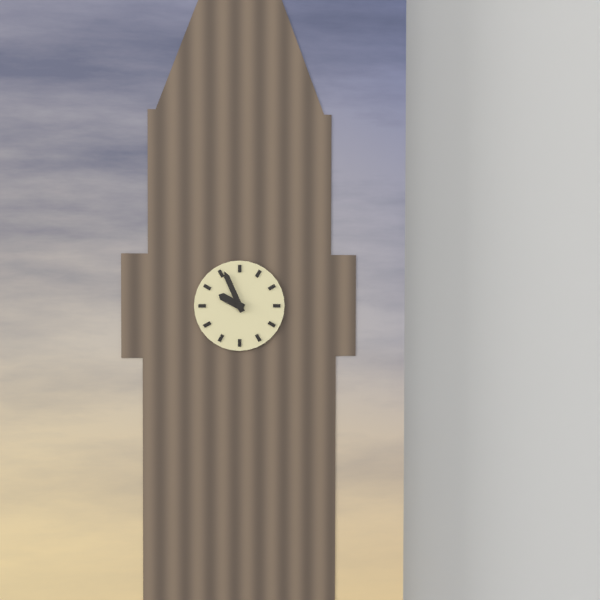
9:56
